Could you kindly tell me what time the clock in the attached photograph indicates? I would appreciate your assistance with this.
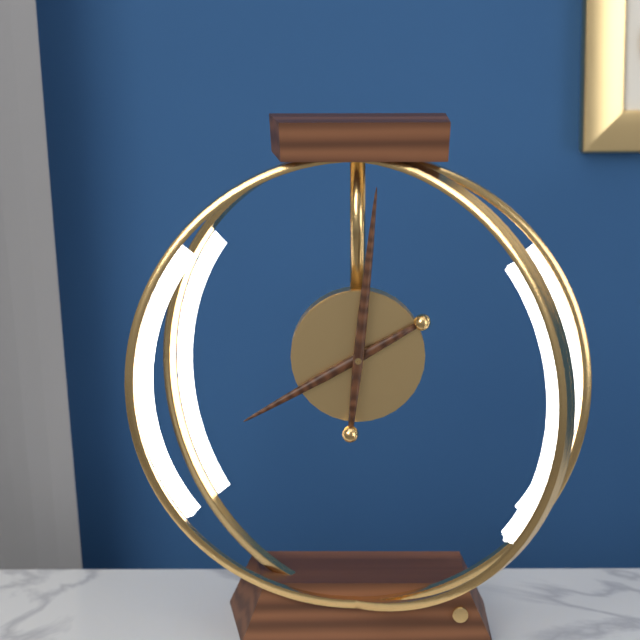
8:01
